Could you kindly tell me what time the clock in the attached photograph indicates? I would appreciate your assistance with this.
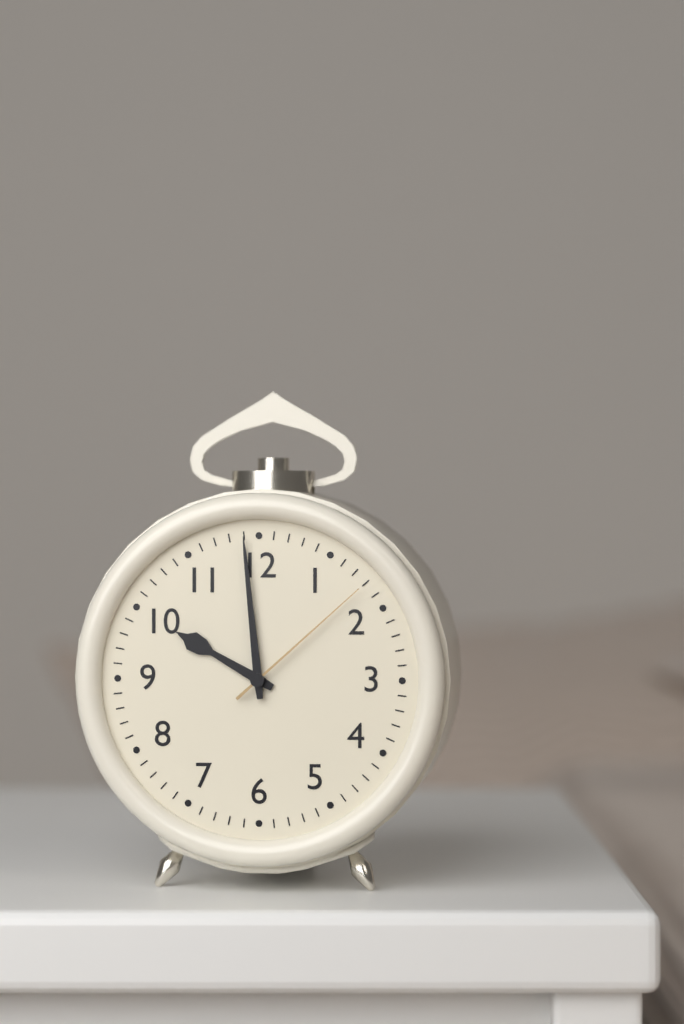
9:59:08
